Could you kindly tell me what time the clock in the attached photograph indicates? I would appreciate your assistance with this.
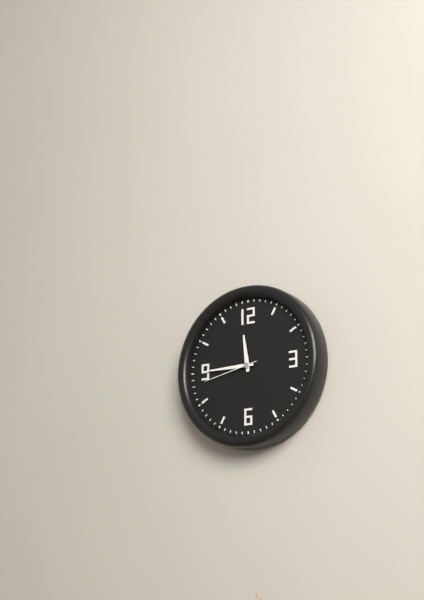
11:45:43
